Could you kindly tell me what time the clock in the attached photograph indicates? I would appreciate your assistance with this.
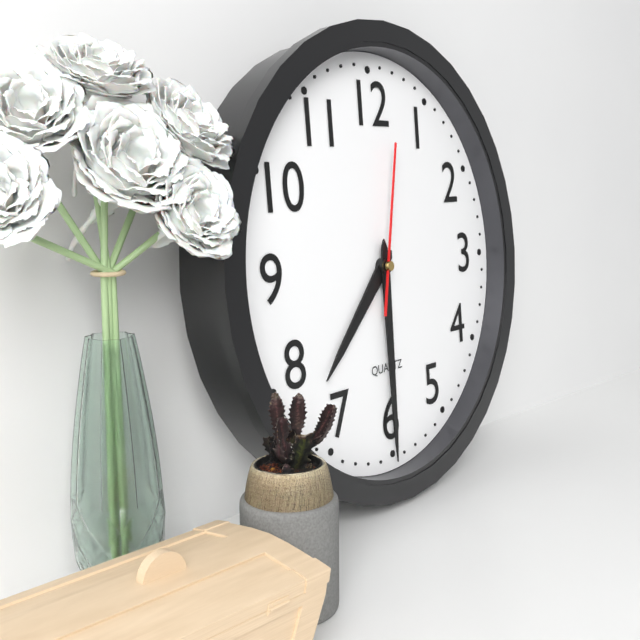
7:30:02
